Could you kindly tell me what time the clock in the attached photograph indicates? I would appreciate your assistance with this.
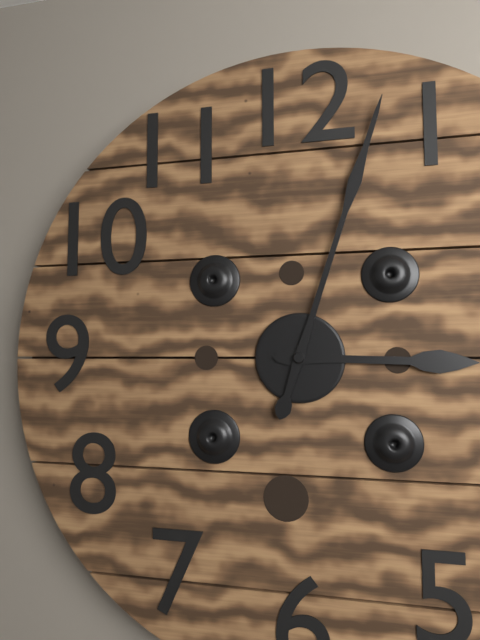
3:03
